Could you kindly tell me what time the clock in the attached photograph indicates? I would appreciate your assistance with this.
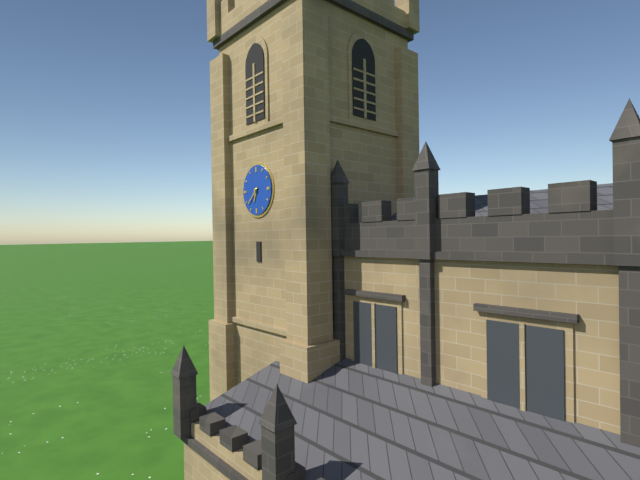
6:38
